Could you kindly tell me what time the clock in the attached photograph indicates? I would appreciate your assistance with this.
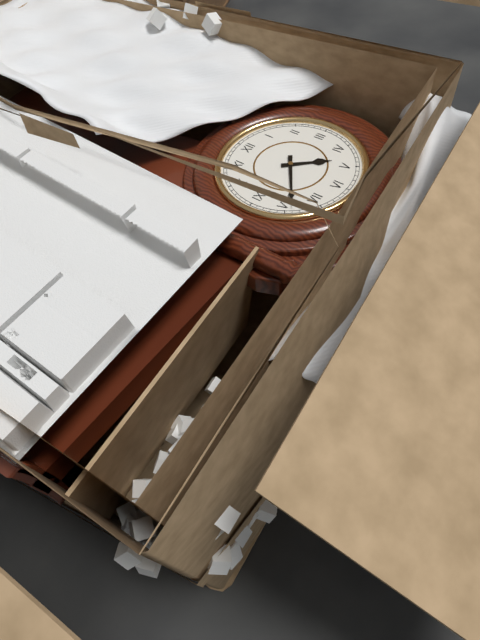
4:39
